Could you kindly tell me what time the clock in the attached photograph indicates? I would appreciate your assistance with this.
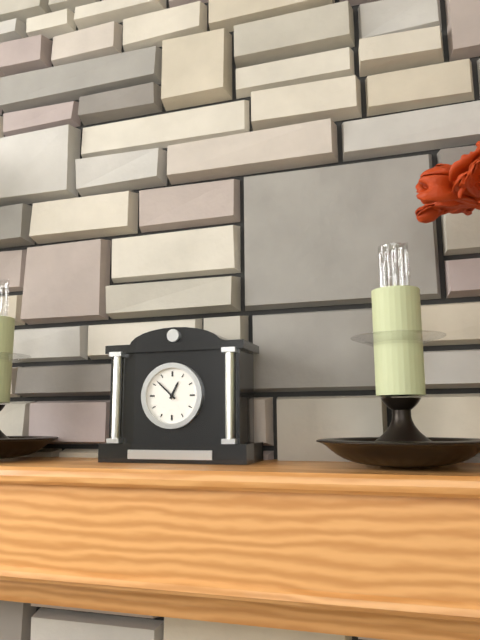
12:52
